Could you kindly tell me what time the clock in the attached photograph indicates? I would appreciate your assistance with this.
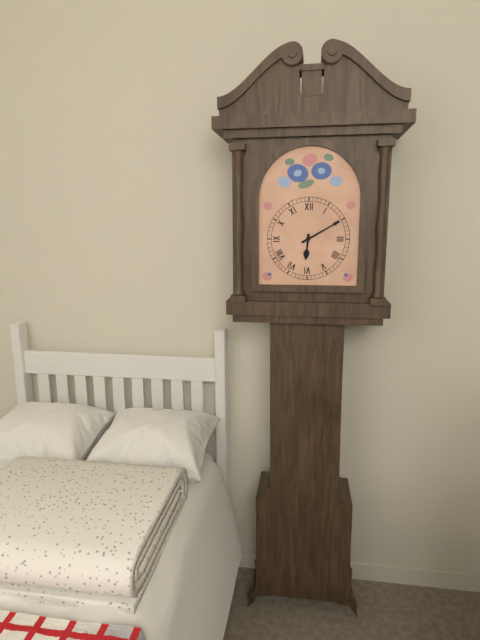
6:10
